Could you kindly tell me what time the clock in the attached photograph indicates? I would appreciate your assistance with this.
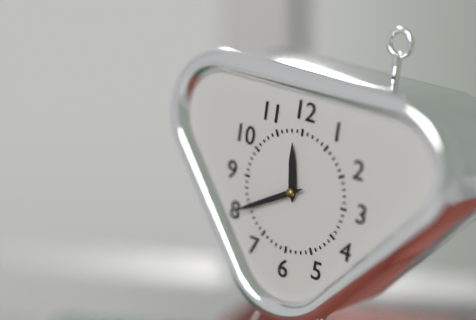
11:40
